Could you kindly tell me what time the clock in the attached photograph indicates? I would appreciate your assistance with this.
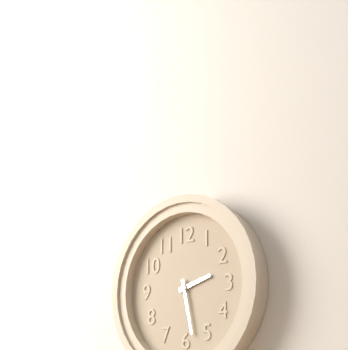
2:28
